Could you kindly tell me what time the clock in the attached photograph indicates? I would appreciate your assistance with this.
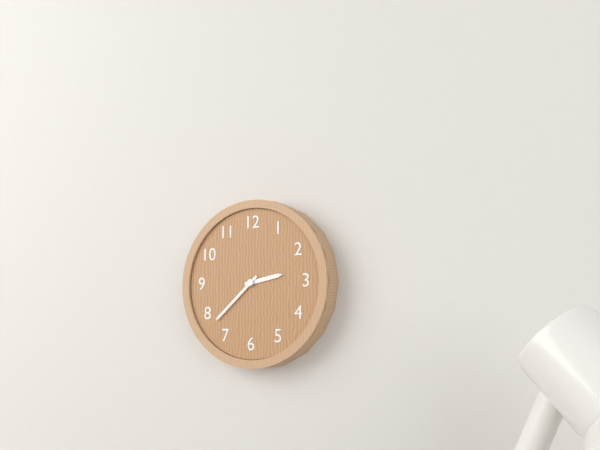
2:38
